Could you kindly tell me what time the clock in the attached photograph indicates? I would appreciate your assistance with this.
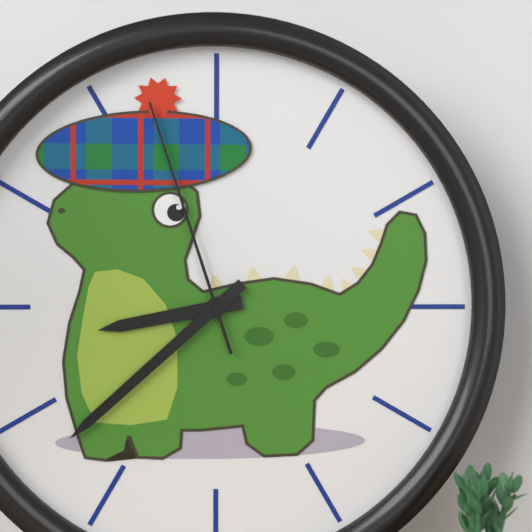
8:38:57
